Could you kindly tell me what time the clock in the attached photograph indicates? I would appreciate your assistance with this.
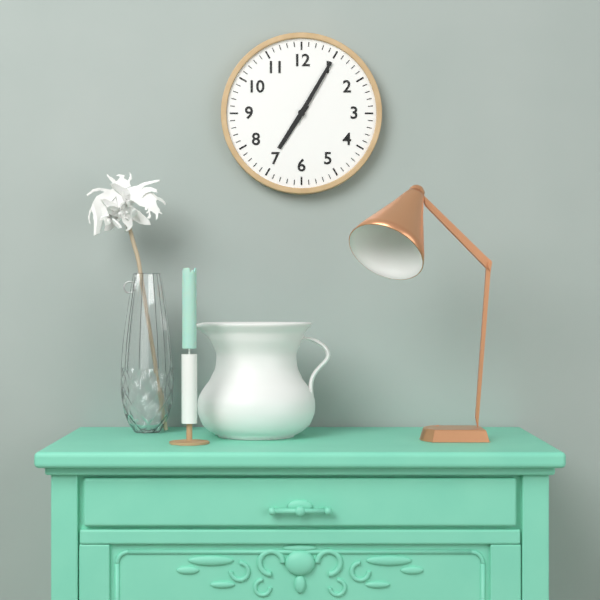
7:05
